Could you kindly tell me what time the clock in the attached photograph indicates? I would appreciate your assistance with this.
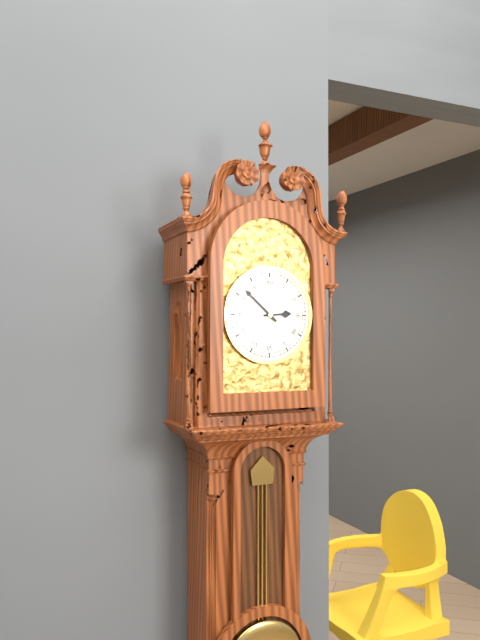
2:52
